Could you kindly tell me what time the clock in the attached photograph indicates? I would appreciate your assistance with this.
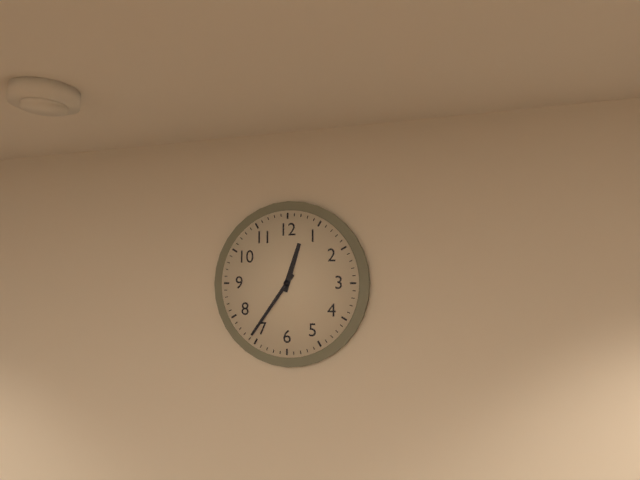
12:36
